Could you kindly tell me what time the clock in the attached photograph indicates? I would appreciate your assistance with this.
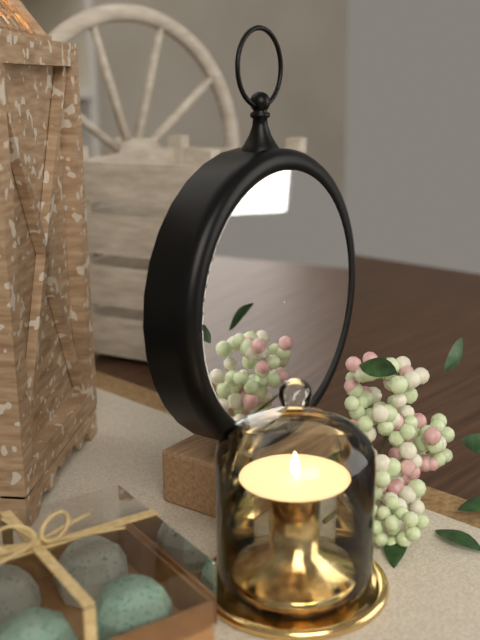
6:29
